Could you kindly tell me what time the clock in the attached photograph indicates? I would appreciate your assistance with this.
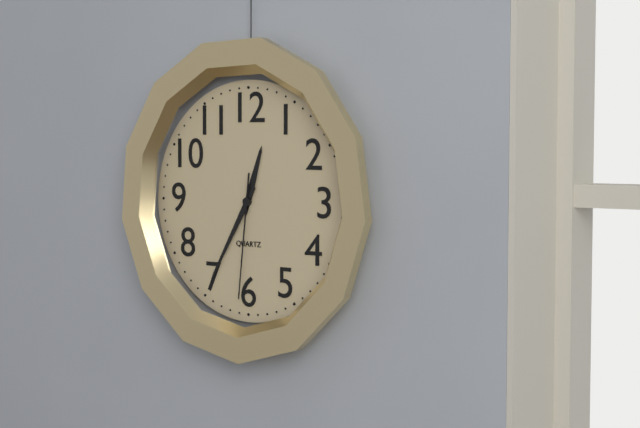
12:35:31
